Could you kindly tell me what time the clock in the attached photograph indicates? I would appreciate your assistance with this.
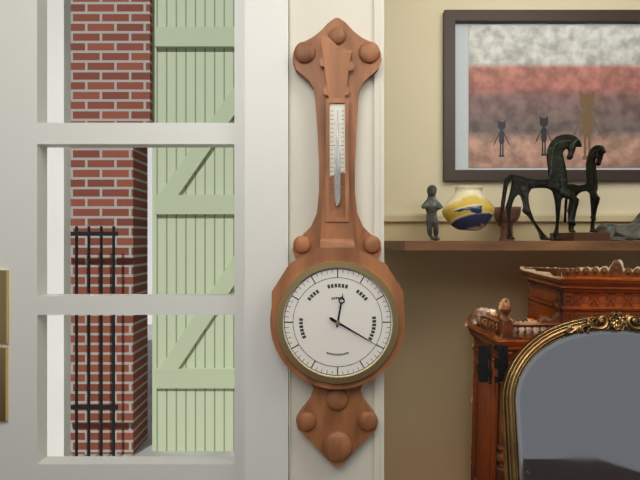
12:20
